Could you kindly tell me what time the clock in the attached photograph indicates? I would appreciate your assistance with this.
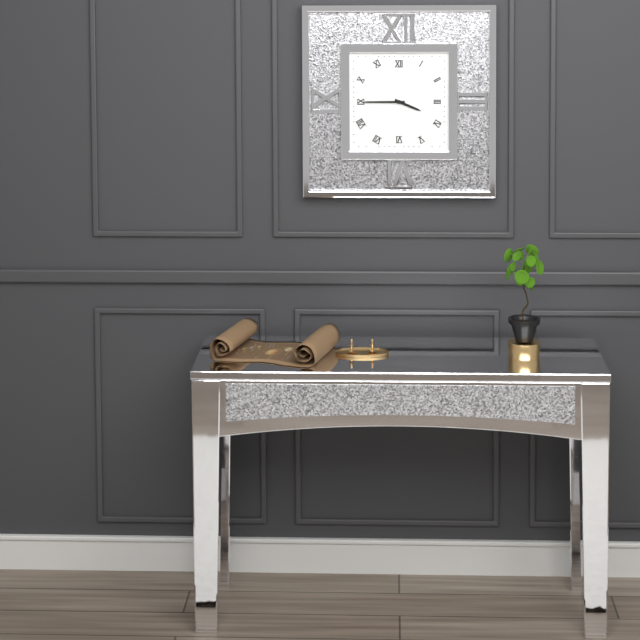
3:45
